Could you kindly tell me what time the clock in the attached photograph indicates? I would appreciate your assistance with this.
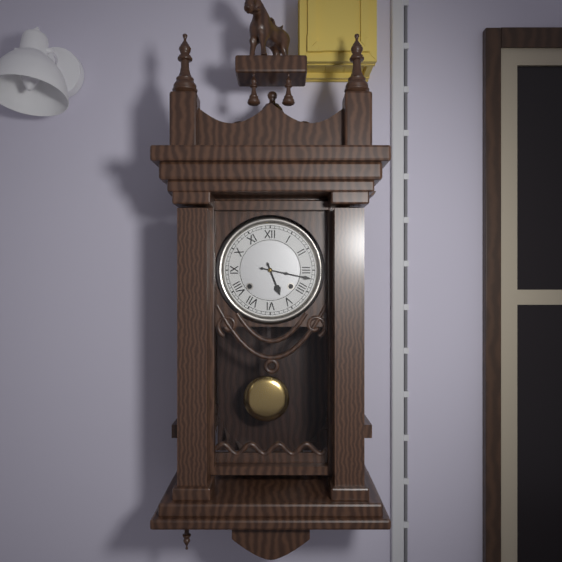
5:17
